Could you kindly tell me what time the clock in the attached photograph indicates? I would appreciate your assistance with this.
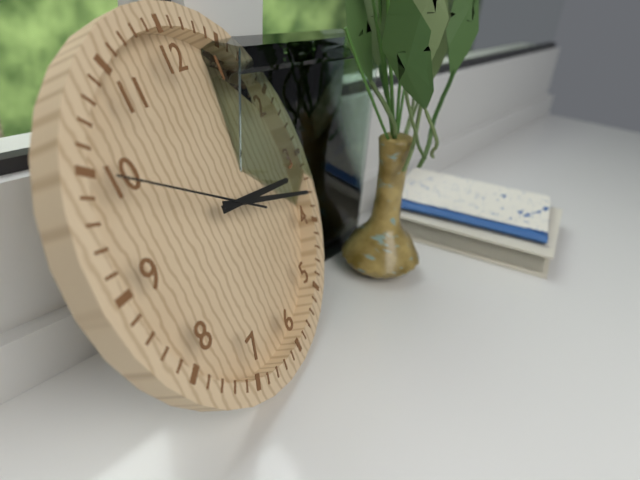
3:18:50
